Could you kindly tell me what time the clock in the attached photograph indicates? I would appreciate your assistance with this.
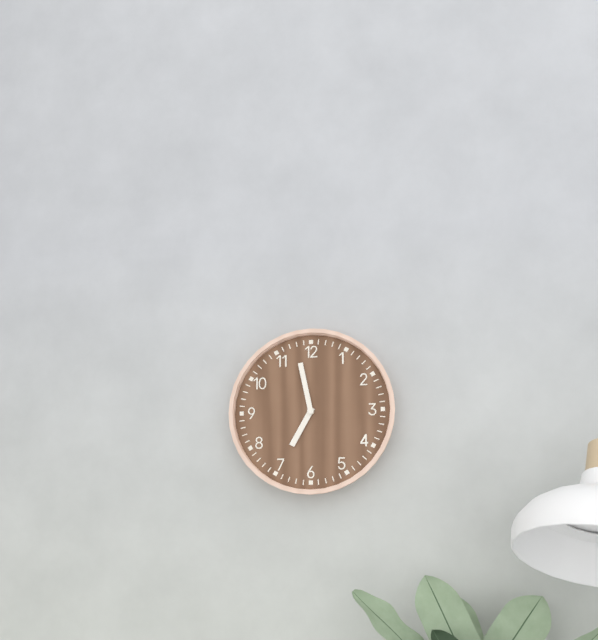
6:58
